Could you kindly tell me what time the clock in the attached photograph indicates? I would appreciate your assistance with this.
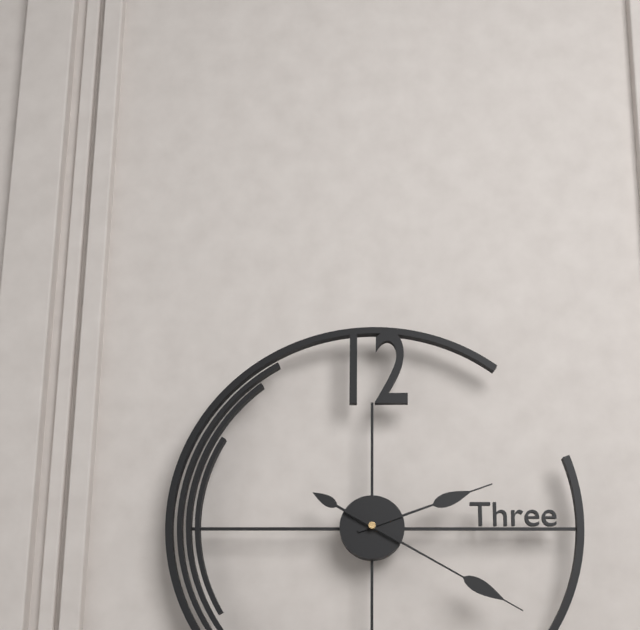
2:20
